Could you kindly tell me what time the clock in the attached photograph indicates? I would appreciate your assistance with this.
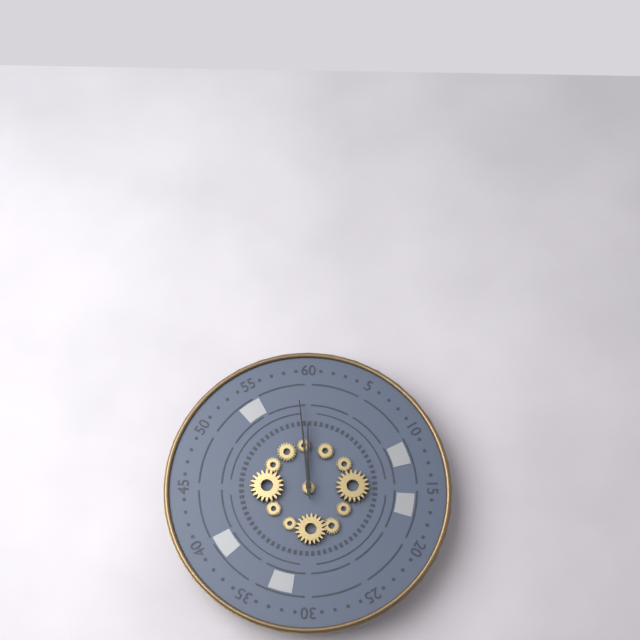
11:59
